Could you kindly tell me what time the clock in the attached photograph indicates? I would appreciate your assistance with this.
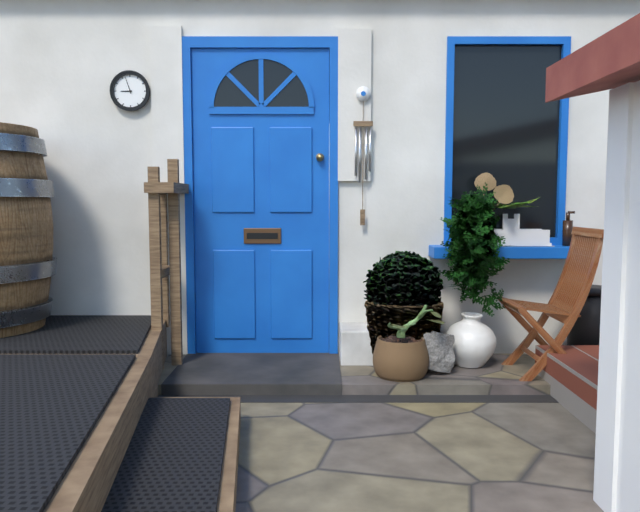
8:57
